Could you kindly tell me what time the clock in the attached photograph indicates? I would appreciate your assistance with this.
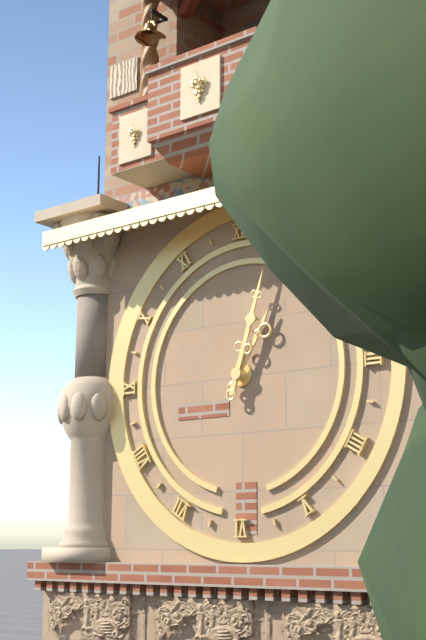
1:03
